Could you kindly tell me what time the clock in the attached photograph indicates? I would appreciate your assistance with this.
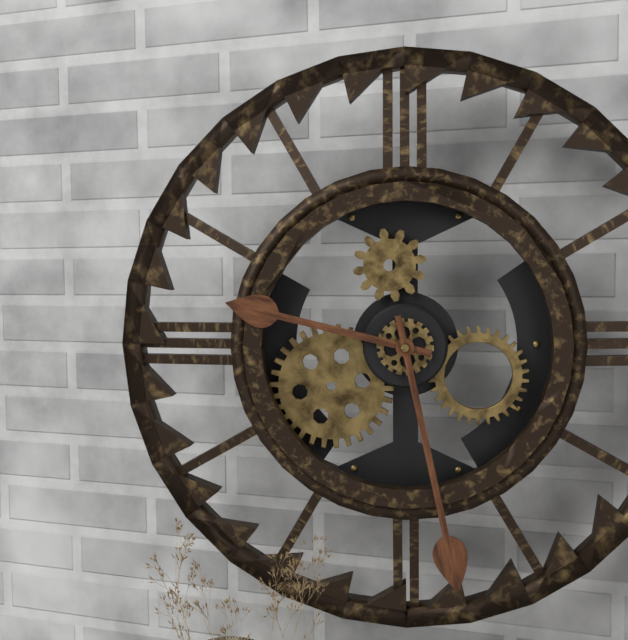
9:28
